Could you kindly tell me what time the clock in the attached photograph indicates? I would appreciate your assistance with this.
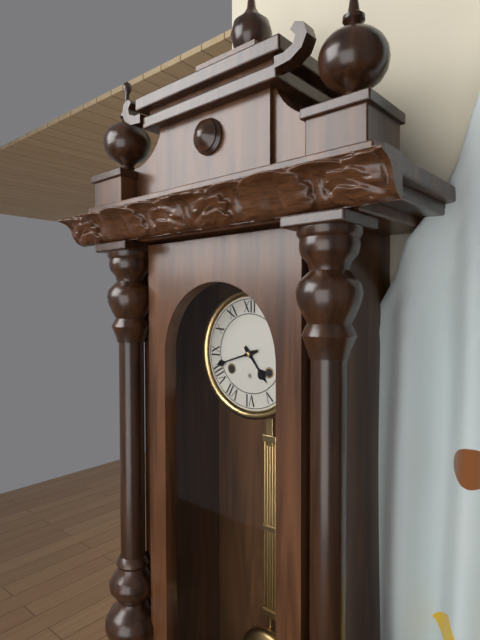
4:42
